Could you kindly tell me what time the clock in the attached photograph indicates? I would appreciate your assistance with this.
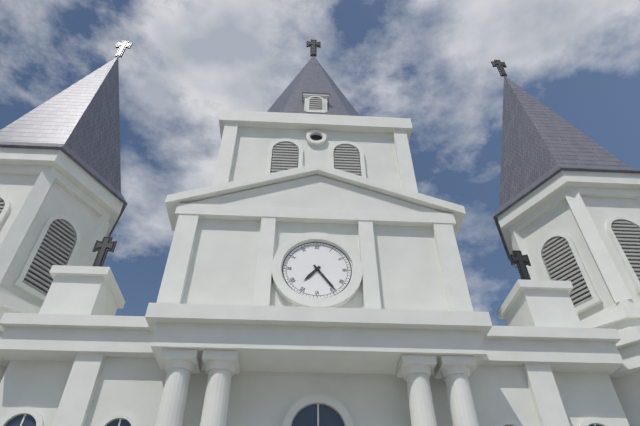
7:24
